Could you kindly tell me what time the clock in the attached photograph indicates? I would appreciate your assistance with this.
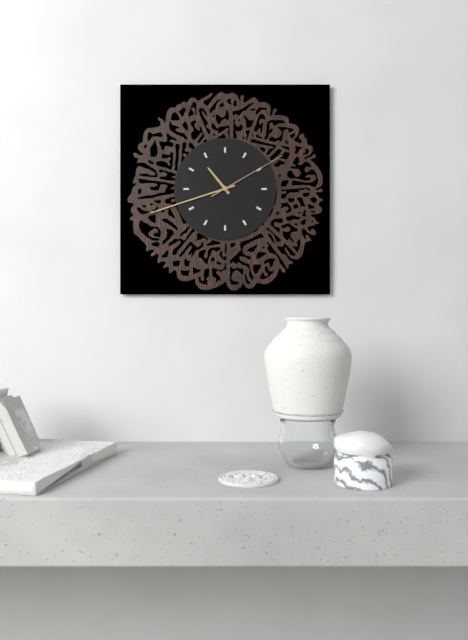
10:42:10
